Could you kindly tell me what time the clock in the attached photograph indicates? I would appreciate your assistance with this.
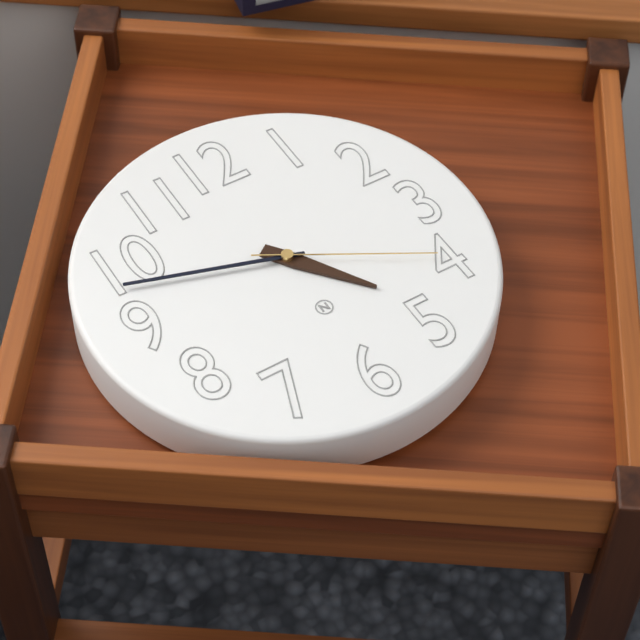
4:48:20
